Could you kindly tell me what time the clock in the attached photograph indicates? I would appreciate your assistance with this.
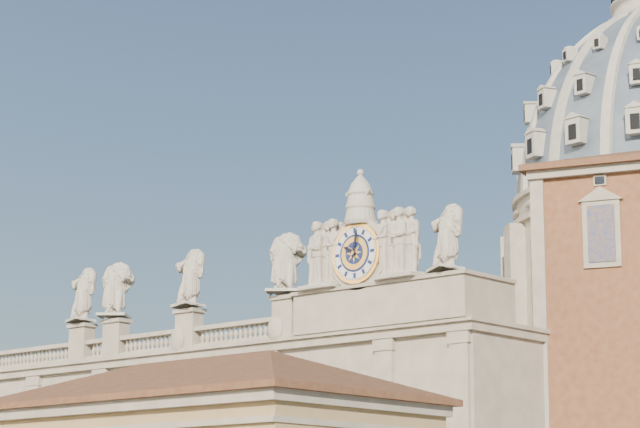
10:02
